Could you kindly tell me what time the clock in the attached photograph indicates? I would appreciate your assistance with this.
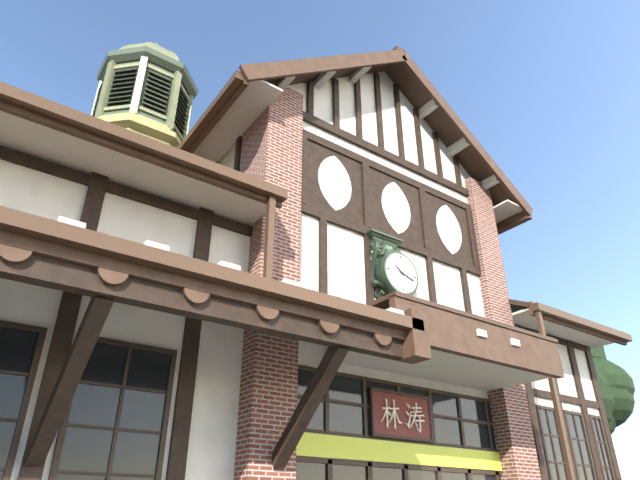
10:18
